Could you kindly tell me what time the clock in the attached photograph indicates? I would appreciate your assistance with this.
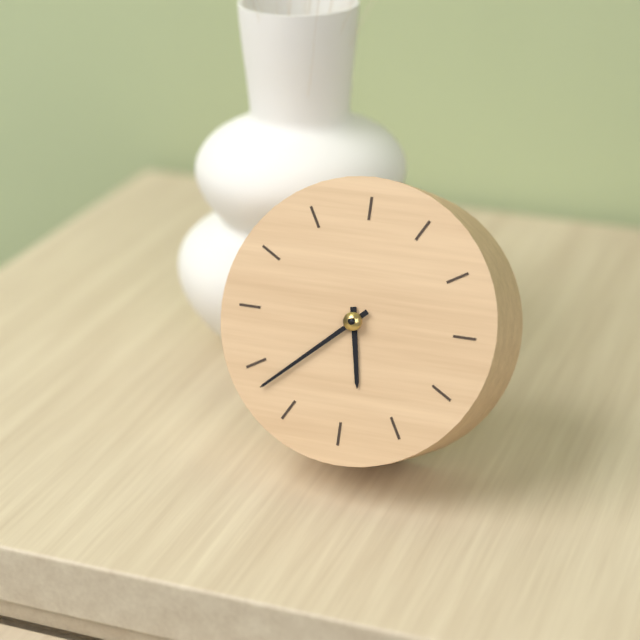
5:38
